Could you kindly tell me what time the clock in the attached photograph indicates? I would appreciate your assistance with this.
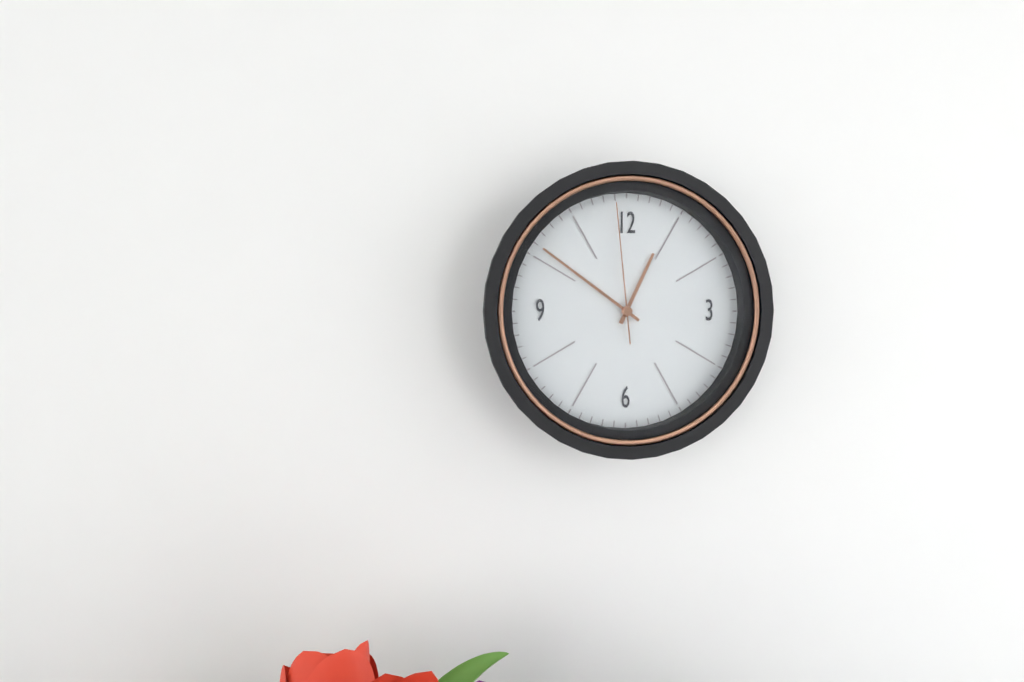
12:51:59
